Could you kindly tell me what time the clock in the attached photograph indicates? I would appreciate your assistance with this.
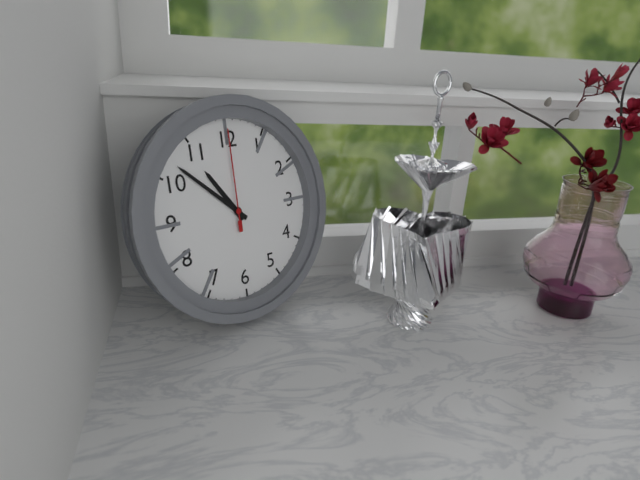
10:52:00
